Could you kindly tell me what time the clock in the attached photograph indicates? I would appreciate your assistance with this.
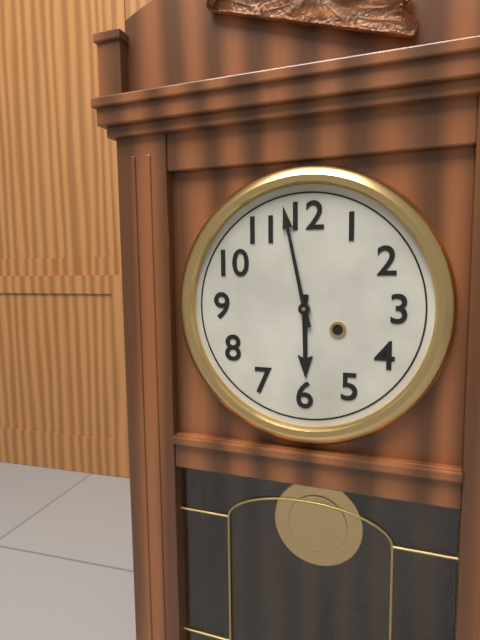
5:58
